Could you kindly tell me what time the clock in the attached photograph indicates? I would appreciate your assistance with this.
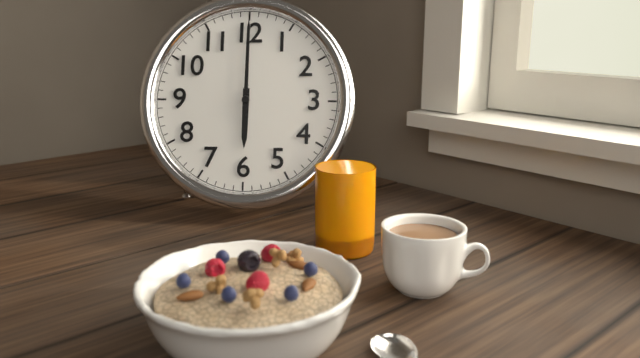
6:00
